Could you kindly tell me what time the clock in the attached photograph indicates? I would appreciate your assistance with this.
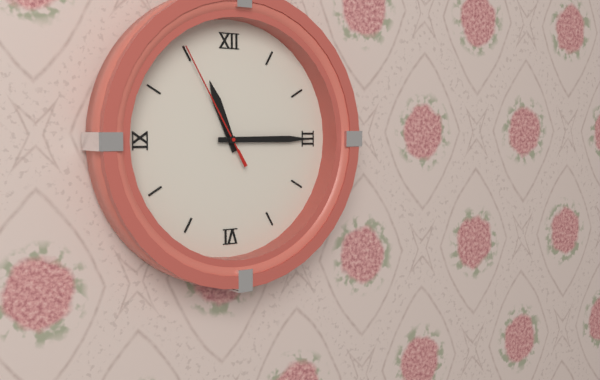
11:15:55
